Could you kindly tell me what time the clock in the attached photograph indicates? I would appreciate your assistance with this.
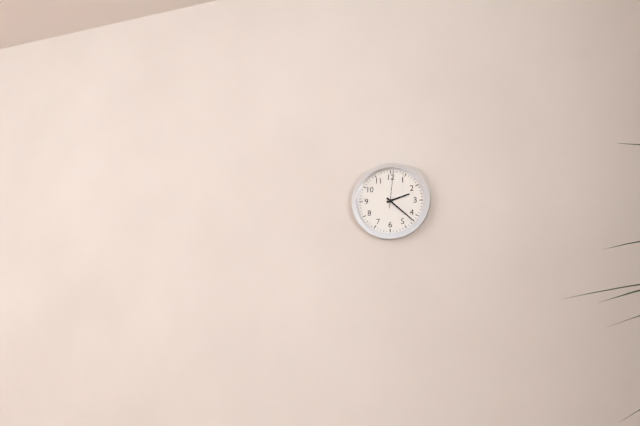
2:22
